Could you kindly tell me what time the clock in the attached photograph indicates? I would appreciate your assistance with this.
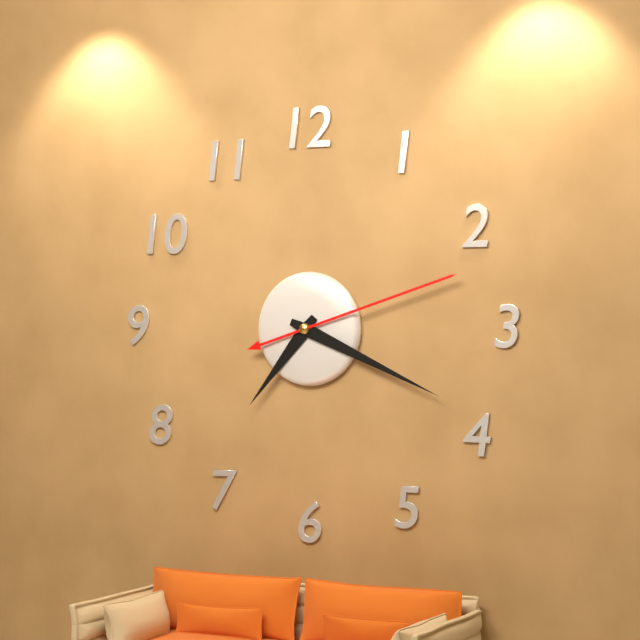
7:19:12
